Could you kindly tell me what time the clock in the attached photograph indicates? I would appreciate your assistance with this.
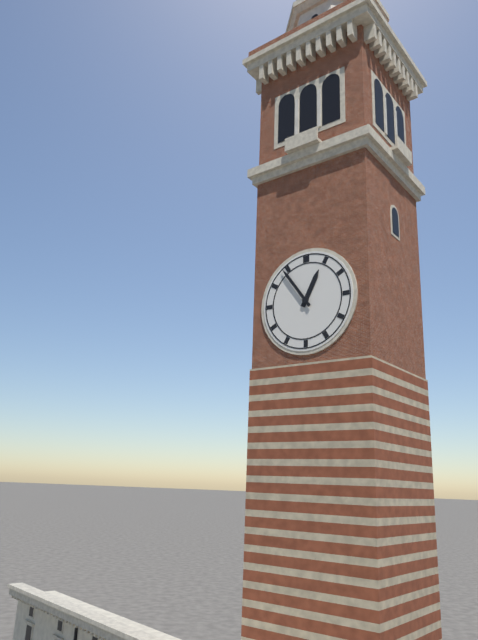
12:54
